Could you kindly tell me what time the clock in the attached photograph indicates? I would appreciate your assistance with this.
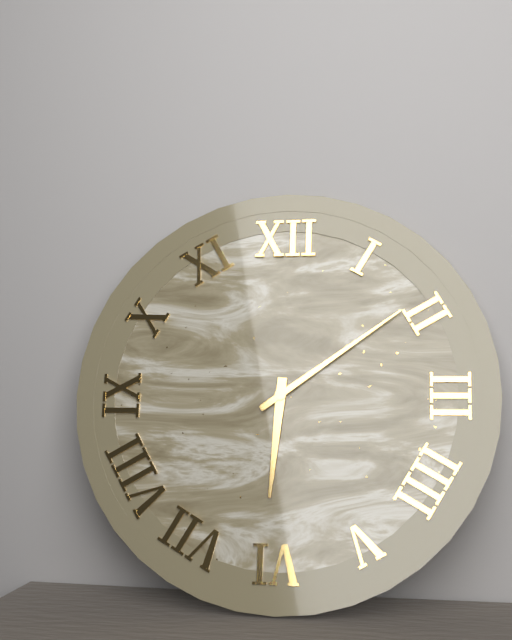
6:09
